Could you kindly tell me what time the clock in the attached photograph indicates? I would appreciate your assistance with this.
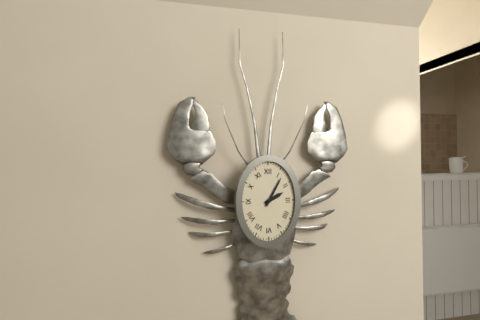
2:05
